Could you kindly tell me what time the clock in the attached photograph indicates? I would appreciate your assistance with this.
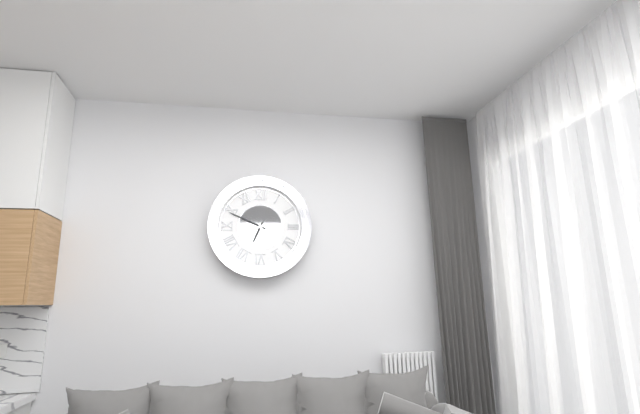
6:49
